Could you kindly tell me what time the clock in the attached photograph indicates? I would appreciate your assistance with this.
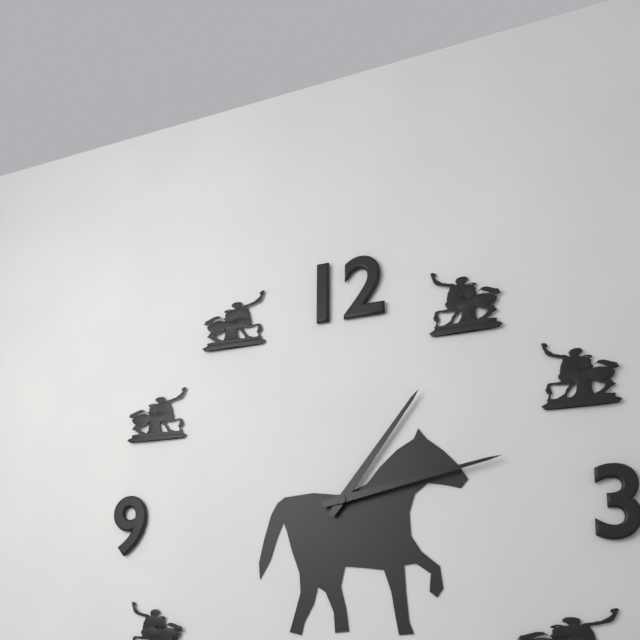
1:13
